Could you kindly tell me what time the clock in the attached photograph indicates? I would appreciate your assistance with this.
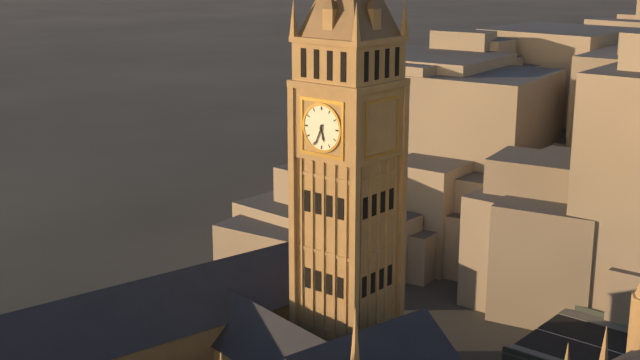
5:34
